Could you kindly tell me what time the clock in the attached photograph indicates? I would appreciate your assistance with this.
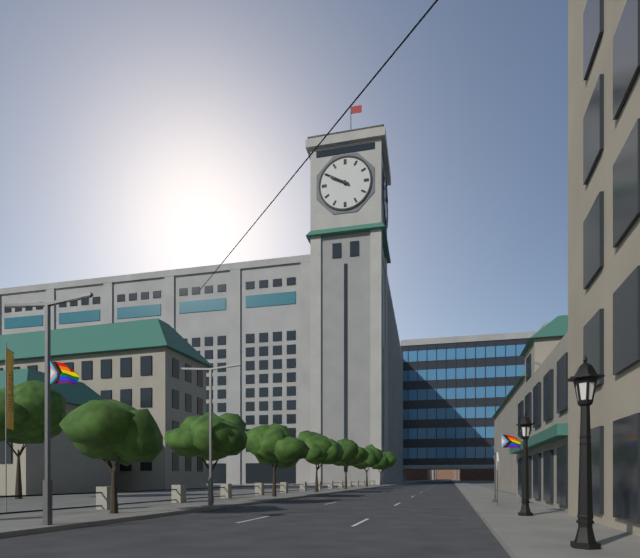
9:50
